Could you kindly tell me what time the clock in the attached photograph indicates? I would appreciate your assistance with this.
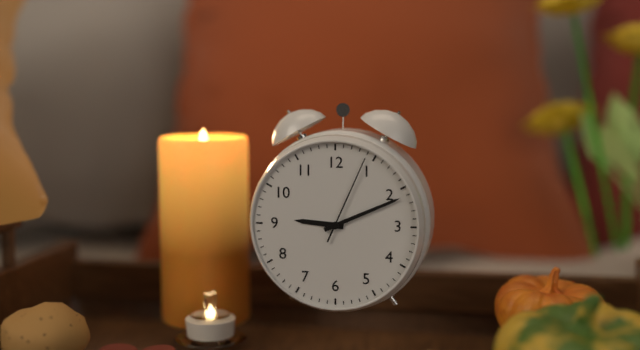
9:11:04
